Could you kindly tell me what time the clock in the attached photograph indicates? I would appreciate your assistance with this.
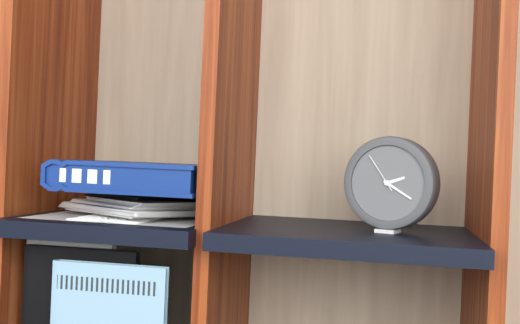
2:20
